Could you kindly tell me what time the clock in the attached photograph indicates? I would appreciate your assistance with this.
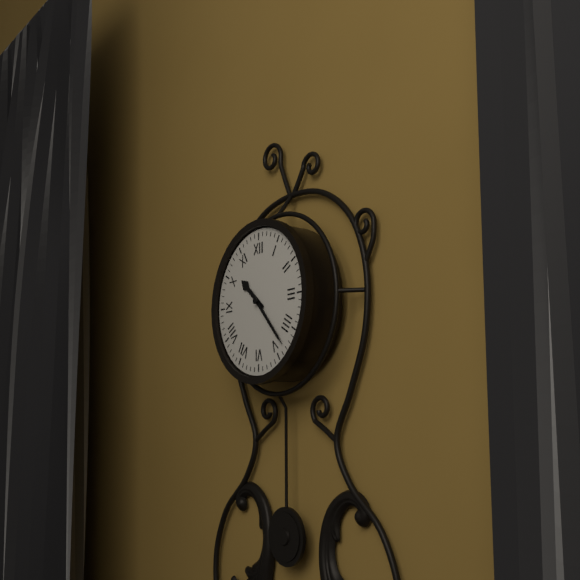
10:23
